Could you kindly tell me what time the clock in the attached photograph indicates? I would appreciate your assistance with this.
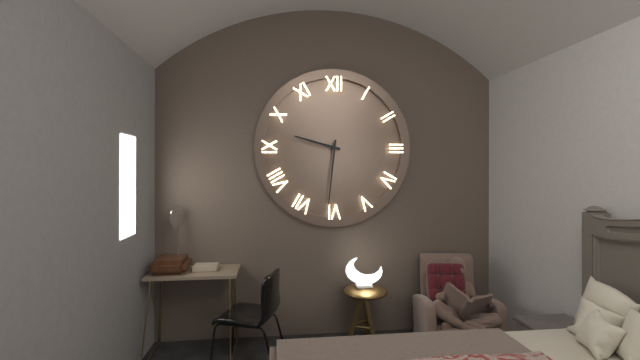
9:31
